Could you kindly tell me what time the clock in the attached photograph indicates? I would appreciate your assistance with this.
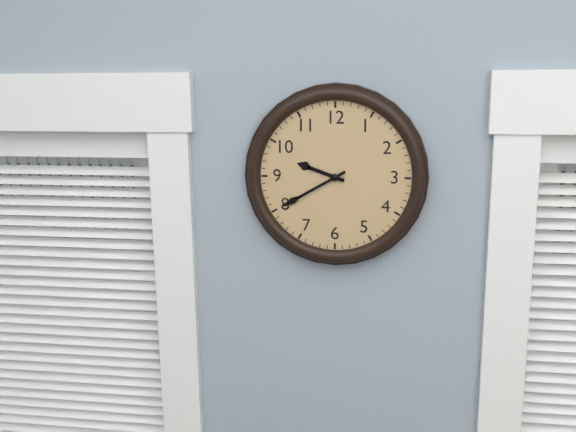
9:40
